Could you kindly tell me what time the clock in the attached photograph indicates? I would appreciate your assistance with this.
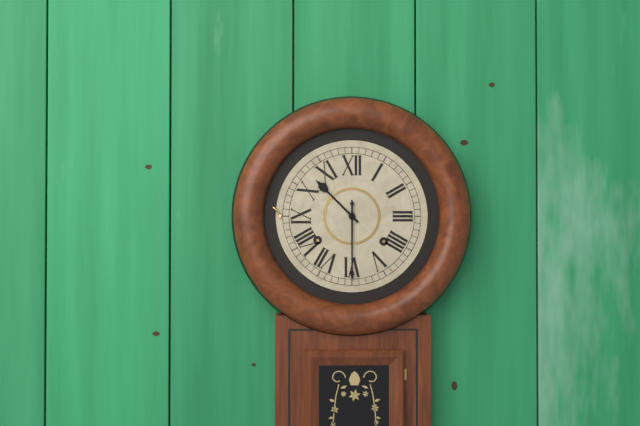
10:30
